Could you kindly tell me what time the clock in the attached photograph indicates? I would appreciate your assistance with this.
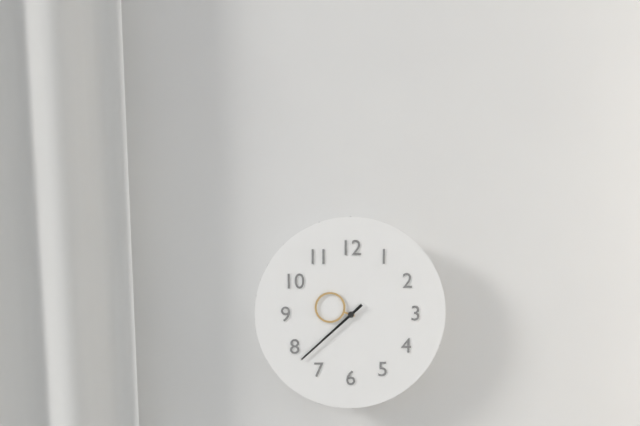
9:38
